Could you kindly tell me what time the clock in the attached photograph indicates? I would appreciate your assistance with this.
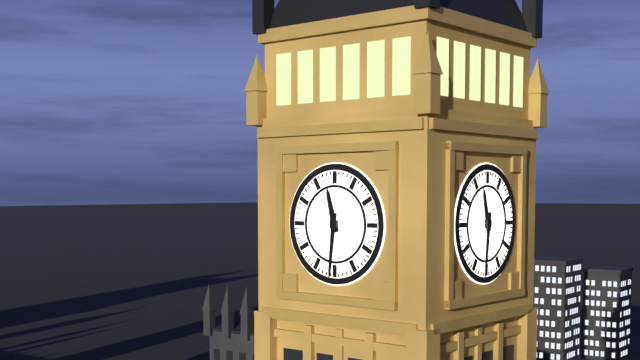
11:31
